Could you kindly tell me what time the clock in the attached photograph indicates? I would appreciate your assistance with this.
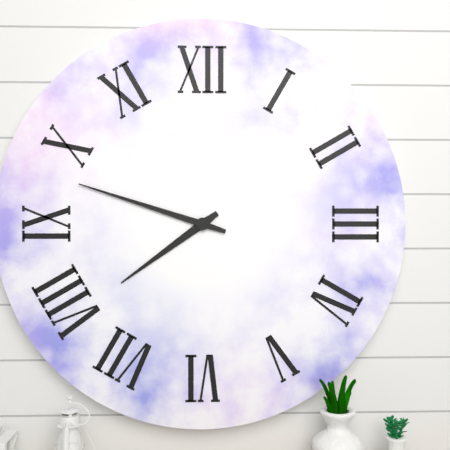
7:48
